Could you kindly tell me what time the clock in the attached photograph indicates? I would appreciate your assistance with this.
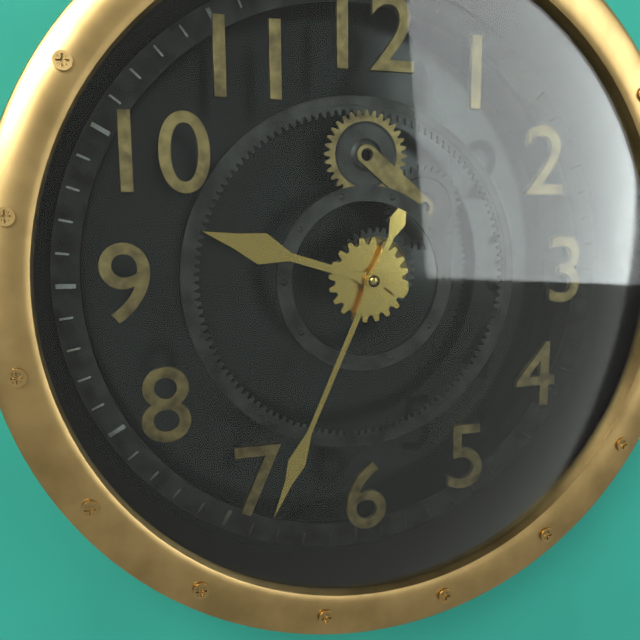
9:34
